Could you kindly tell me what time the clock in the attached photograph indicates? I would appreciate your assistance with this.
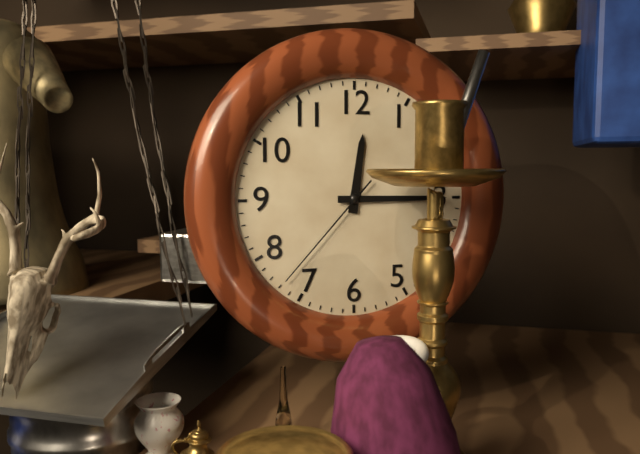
12:15:37
